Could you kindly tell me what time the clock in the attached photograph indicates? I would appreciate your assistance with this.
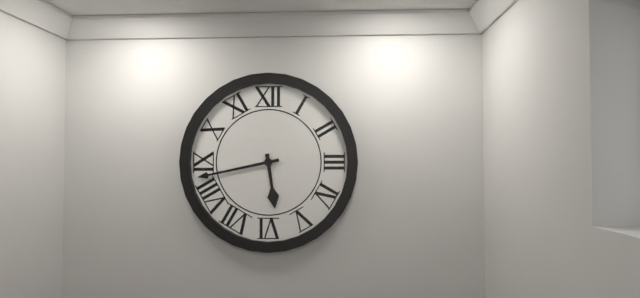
5:43
